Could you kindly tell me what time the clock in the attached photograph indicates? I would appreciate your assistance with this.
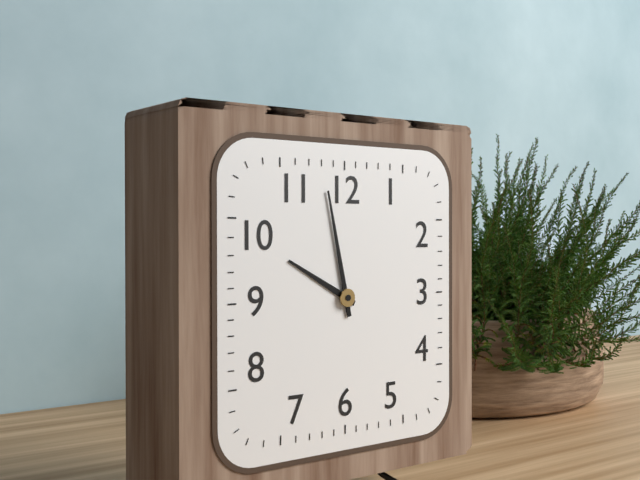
9:58
